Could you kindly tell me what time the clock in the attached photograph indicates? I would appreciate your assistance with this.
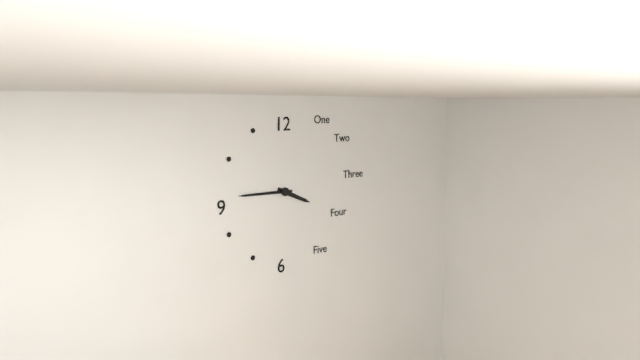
3:45
